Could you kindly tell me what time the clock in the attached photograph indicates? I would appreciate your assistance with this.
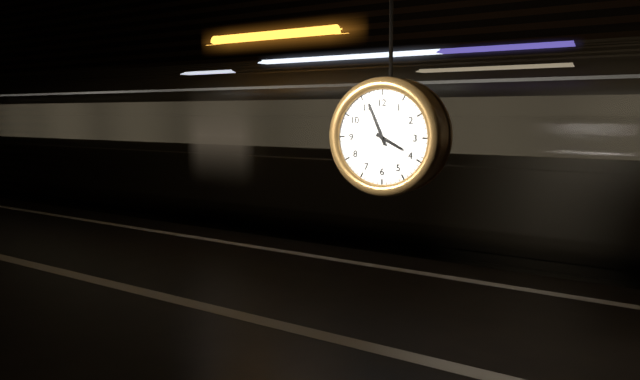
3:56
